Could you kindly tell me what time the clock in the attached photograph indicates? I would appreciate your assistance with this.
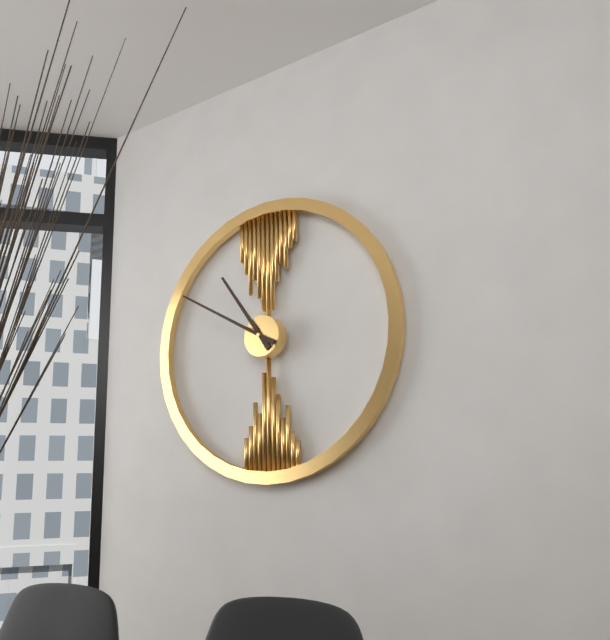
10:50
